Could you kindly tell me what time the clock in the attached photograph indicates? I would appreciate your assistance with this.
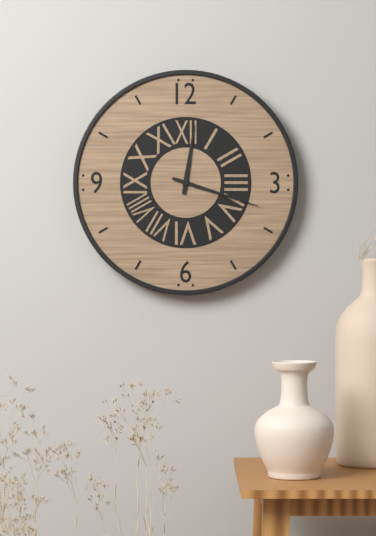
12:18
